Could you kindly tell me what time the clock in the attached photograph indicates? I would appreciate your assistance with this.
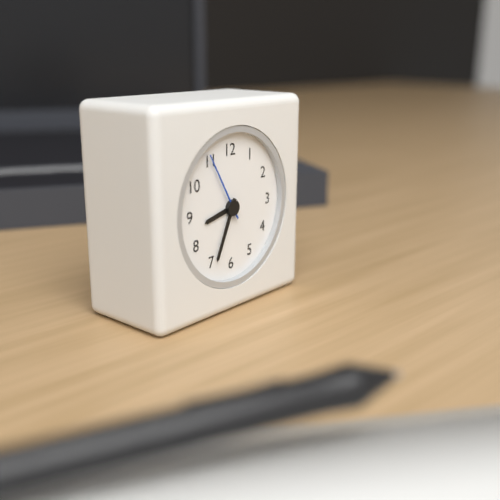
8:34:55
